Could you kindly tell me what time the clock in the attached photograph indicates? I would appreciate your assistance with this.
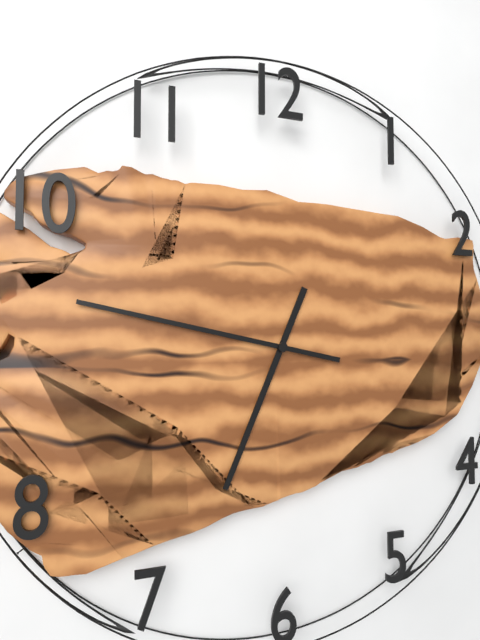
6:47
